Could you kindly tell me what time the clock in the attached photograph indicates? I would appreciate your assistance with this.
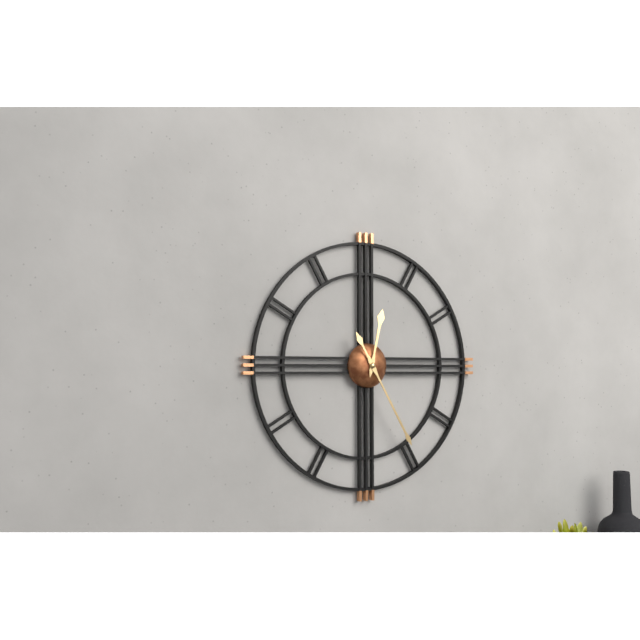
12:25
